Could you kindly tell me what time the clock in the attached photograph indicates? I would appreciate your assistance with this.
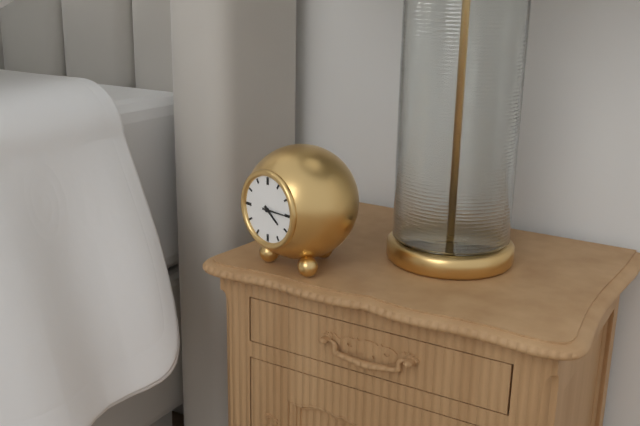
4:15
